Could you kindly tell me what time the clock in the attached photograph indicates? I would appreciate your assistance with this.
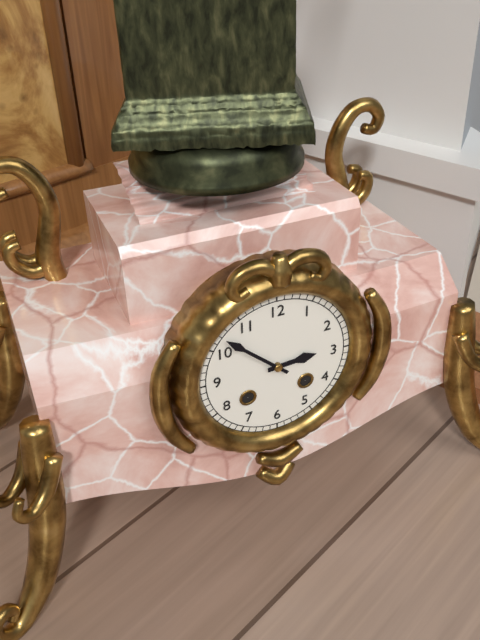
2:52
